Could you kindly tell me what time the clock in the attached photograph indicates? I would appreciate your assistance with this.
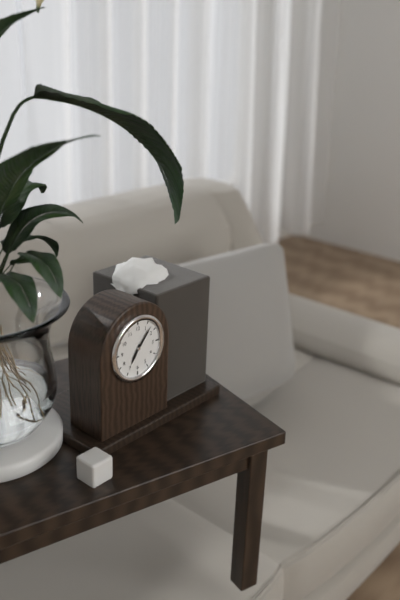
7:07
